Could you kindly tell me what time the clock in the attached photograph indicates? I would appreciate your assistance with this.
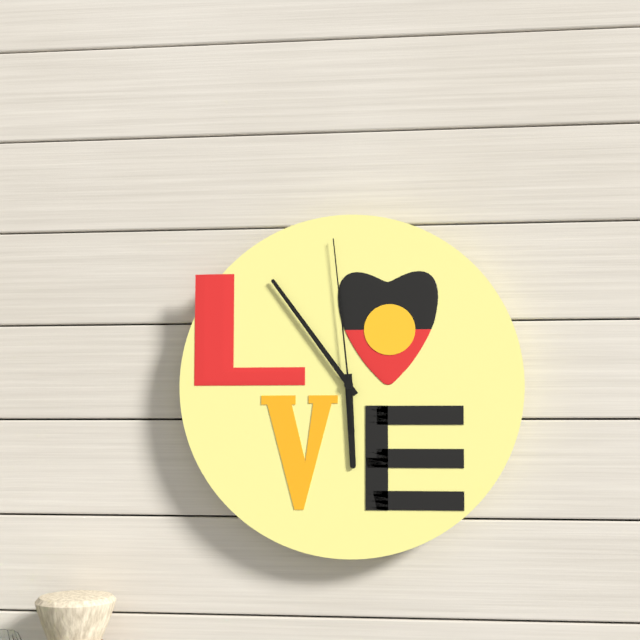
5:54:59
